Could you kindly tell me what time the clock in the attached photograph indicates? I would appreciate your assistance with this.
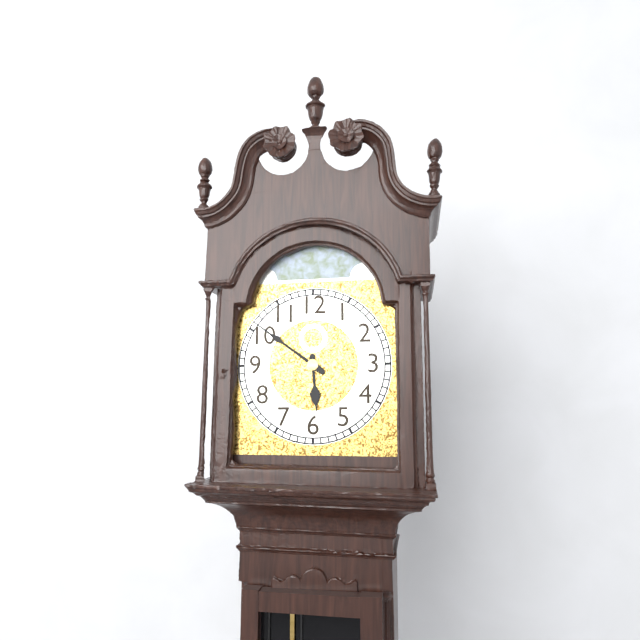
5:51
